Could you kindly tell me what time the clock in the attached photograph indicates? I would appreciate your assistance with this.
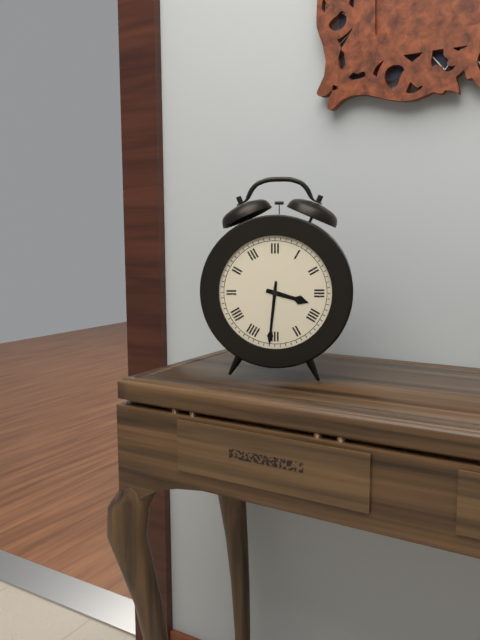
3:31
